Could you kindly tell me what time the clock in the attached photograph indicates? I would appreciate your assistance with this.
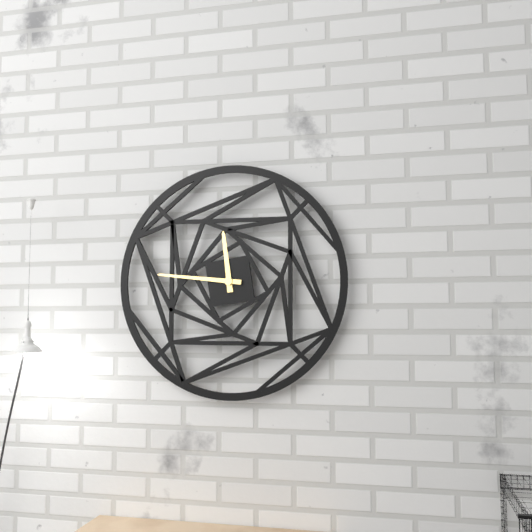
11:46
